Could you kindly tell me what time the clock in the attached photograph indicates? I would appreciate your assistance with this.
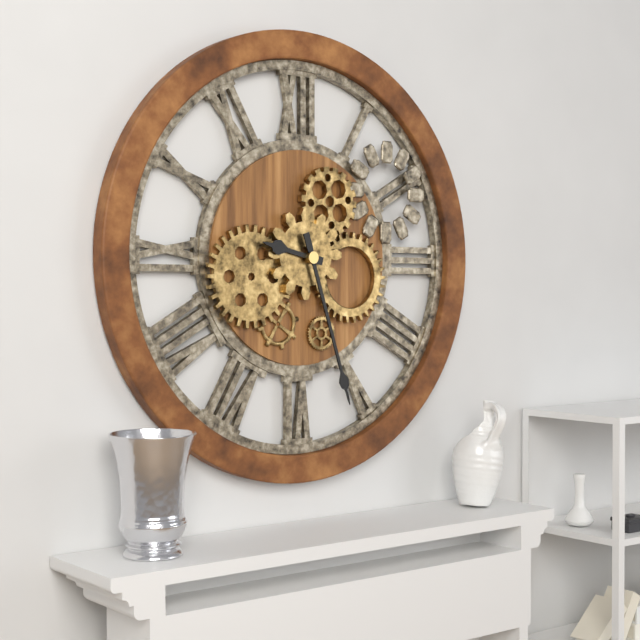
9:27
